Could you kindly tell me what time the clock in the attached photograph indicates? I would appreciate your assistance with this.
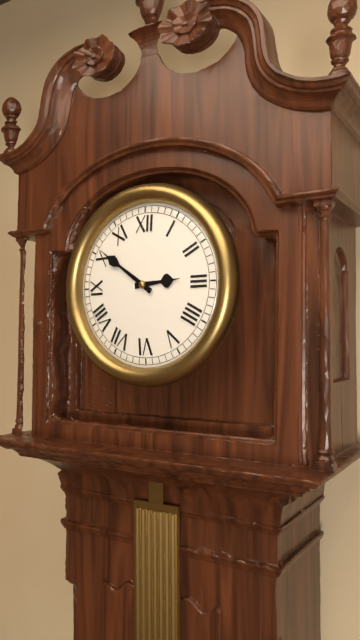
2:51
